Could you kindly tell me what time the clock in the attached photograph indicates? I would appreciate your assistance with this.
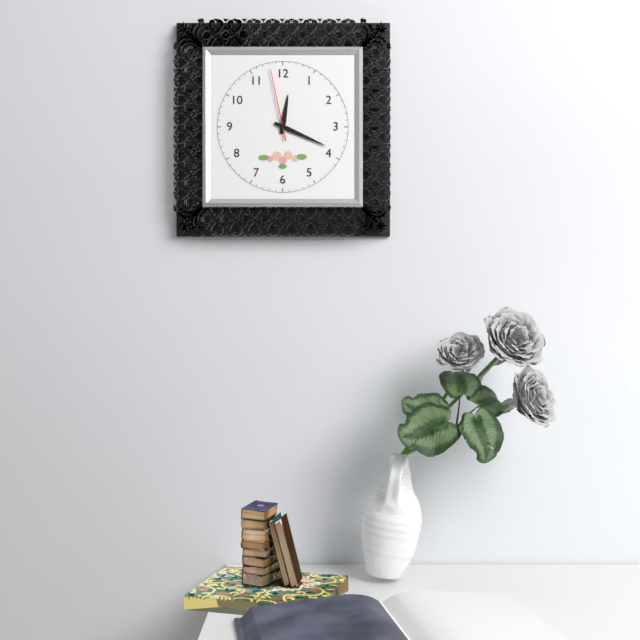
12:19:58
